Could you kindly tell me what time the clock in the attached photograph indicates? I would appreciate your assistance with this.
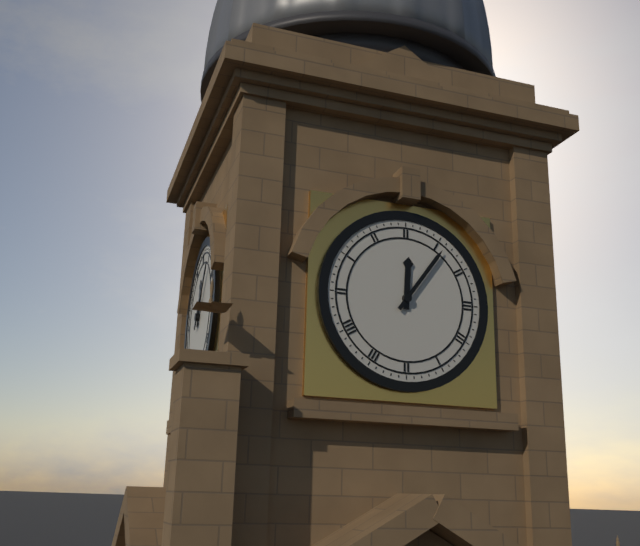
12:06
